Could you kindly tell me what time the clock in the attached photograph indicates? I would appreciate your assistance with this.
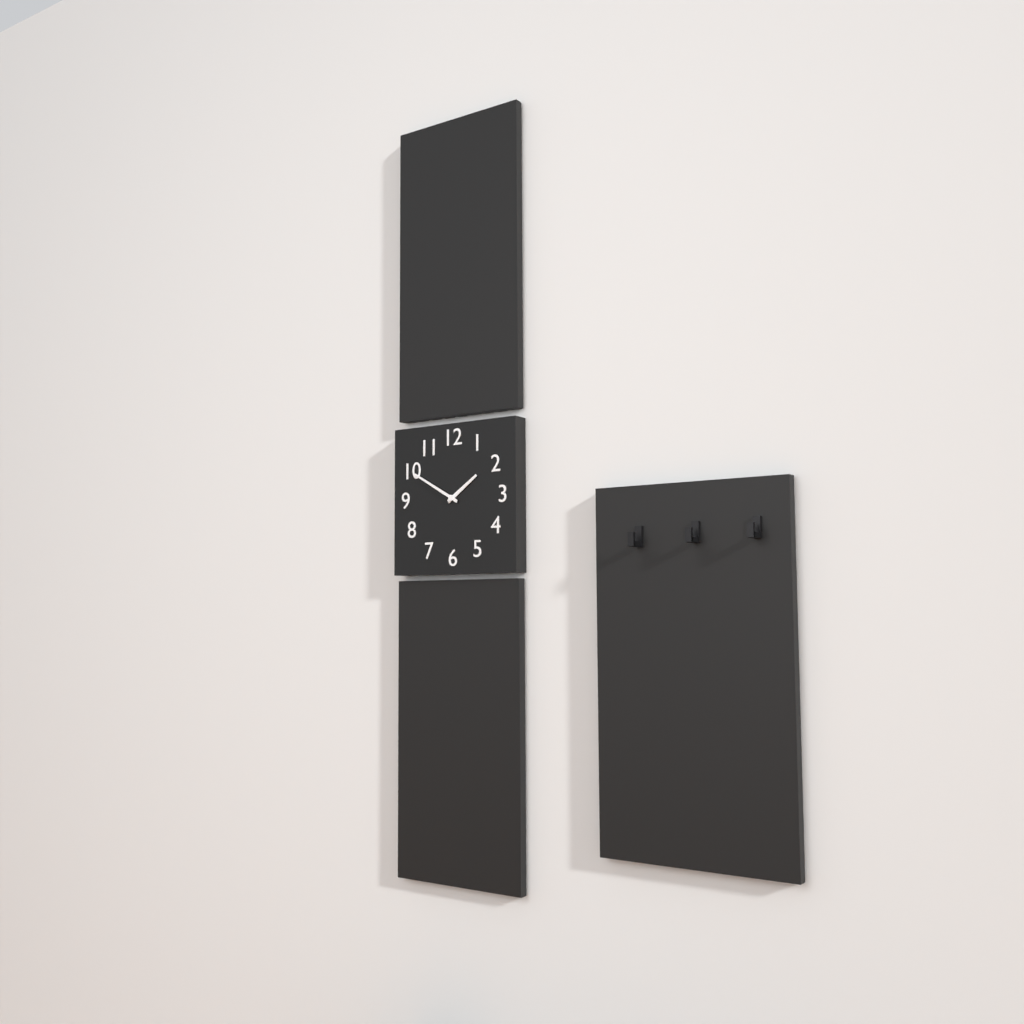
1:50
